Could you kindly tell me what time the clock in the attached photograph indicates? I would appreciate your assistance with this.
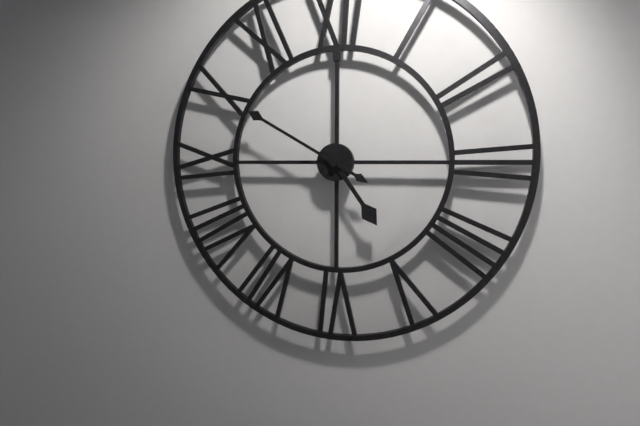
4:50
